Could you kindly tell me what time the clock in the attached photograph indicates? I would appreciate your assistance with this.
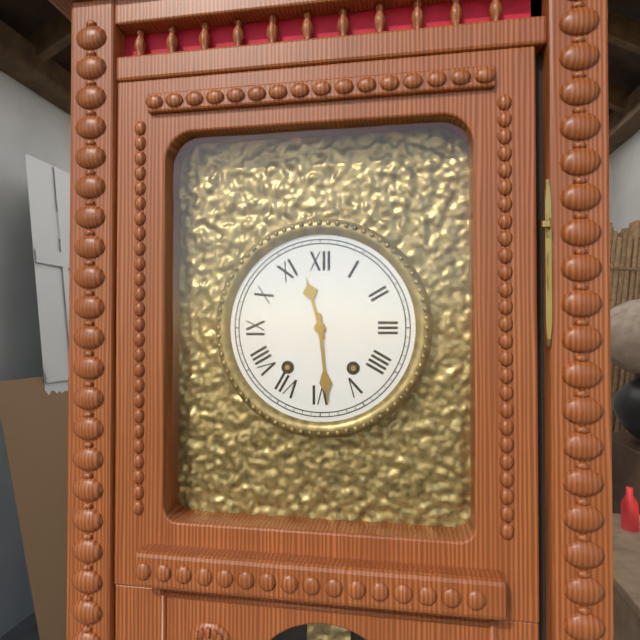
11:29
